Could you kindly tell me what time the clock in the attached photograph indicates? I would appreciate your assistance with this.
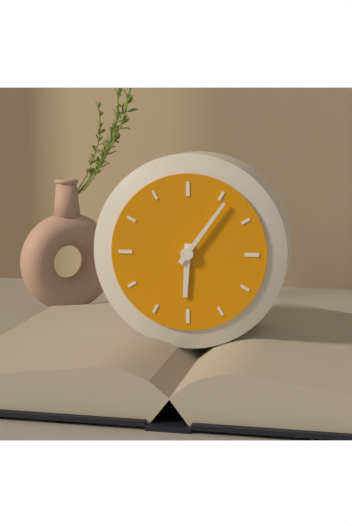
6:06
